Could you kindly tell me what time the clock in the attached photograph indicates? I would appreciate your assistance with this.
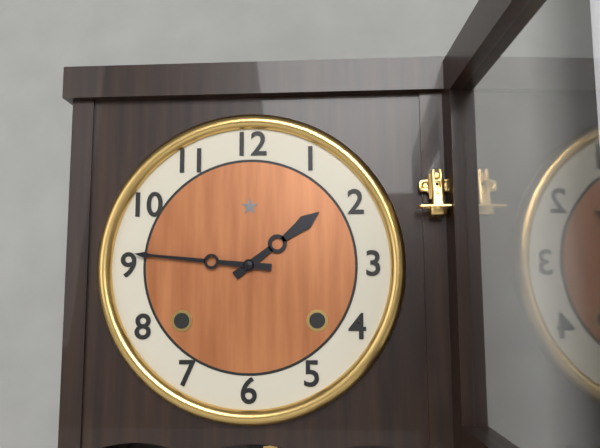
1:46
